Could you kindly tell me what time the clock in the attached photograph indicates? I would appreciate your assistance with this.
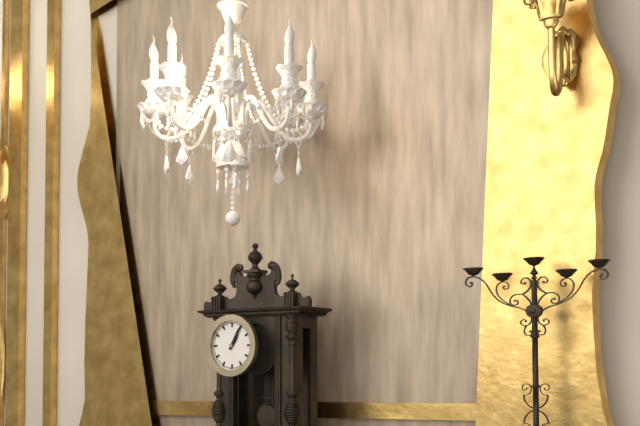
1:05
